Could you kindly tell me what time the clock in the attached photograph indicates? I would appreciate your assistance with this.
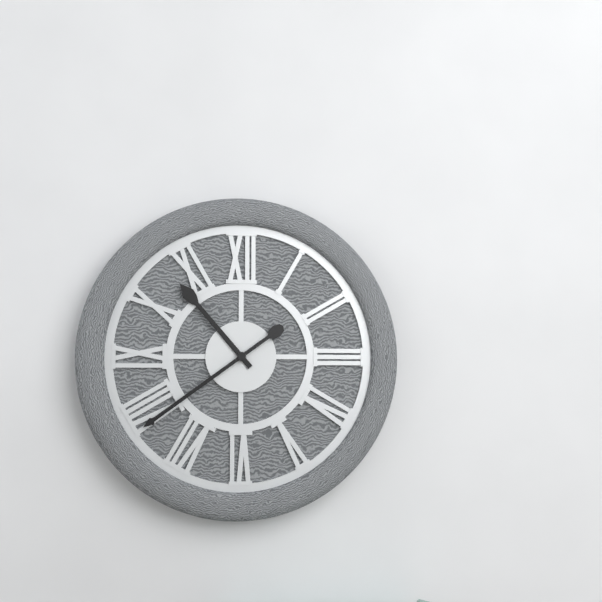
10:39
